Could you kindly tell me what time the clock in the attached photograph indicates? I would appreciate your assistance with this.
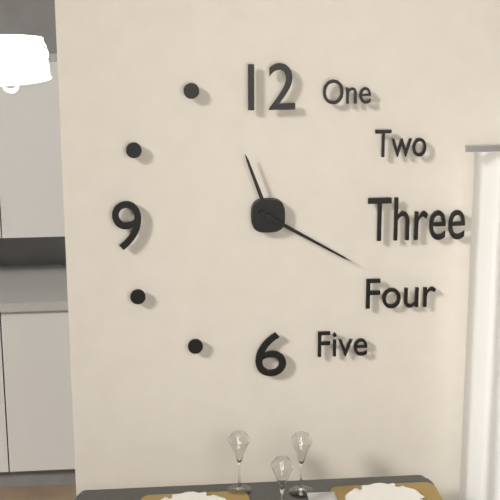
11:20
